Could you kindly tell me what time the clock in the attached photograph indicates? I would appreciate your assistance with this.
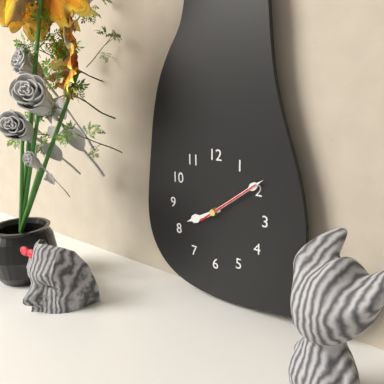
8:09:09
